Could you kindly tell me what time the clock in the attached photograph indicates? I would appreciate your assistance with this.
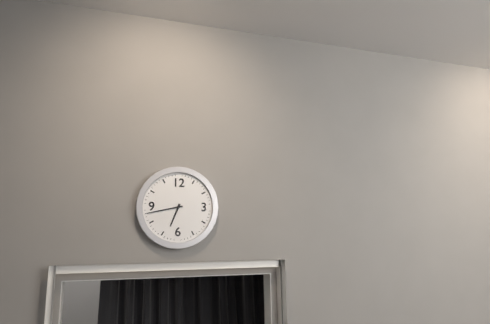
6:43
